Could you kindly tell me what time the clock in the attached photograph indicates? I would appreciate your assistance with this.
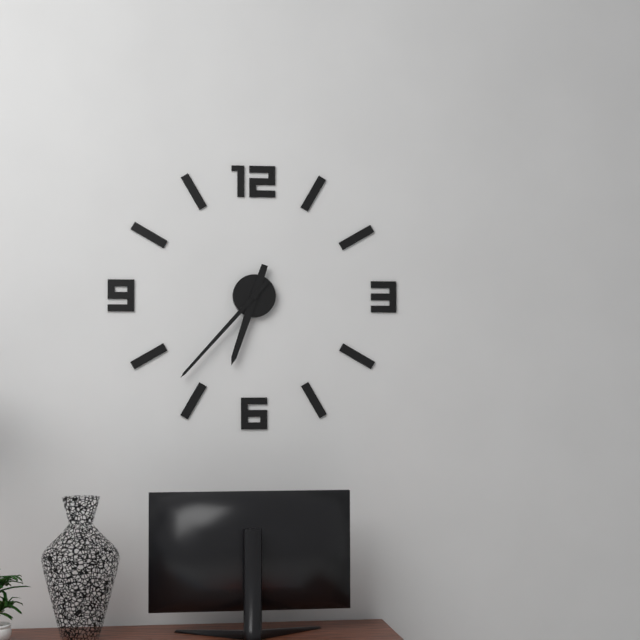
6:37
